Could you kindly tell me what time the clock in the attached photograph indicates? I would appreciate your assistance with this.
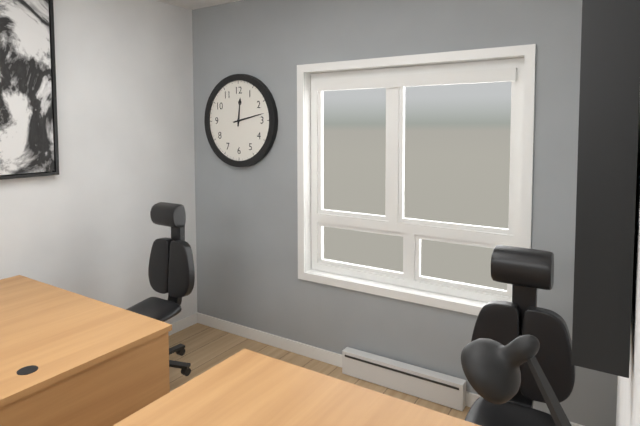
12:13
